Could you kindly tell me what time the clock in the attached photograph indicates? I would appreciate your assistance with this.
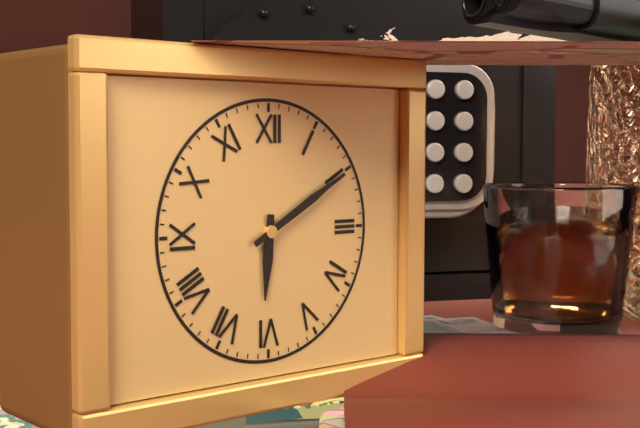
6:10
